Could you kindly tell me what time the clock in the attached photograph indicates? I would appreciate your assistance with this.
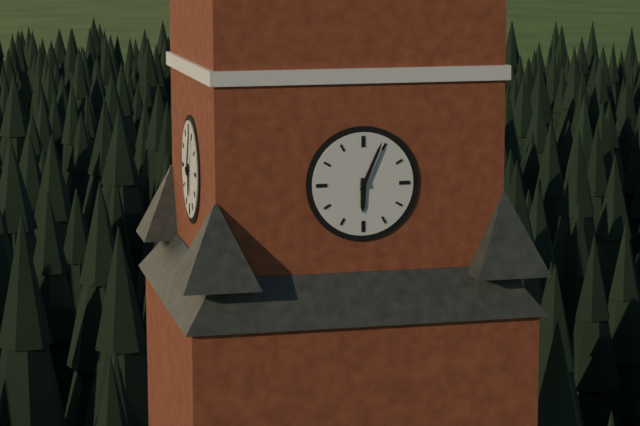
6:04
